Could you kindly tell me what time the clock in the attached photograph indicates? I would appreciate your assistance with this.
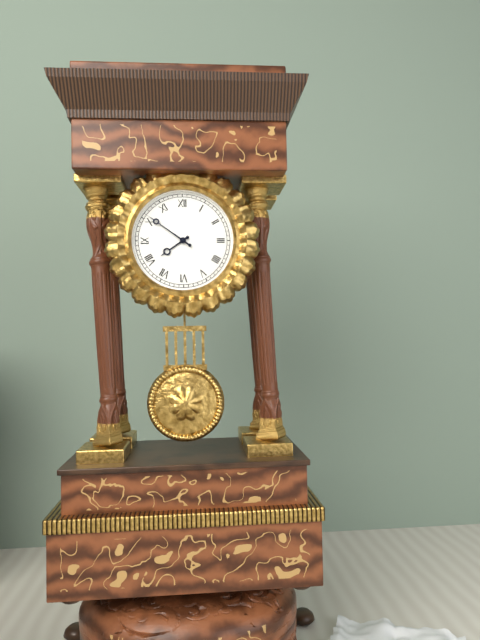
7:51
